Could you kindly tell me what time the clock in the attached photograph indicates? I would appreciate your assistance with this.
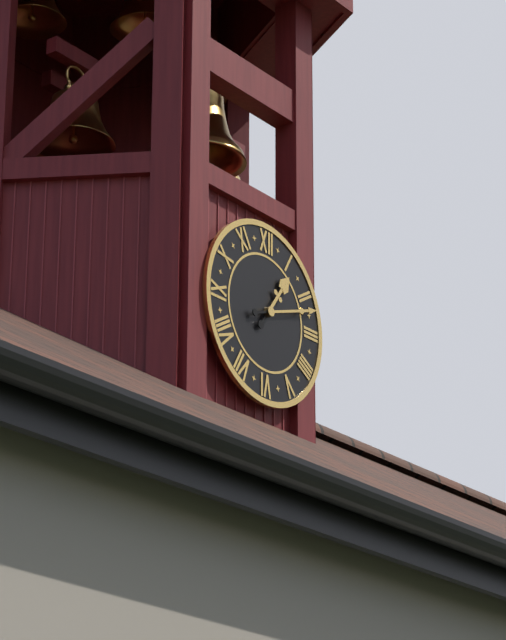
1:12
